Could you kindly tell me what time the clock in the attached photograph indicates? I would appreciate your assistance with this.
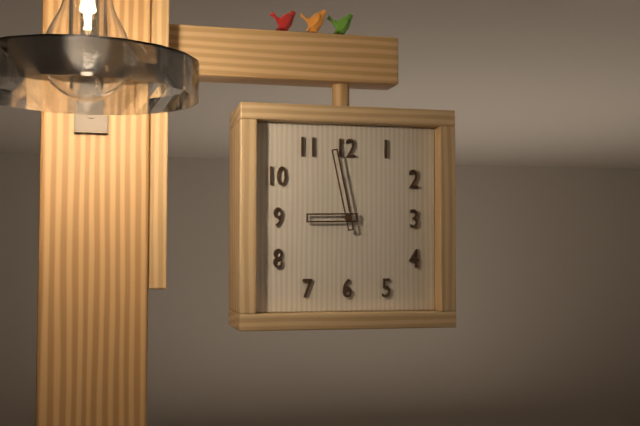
8:58
